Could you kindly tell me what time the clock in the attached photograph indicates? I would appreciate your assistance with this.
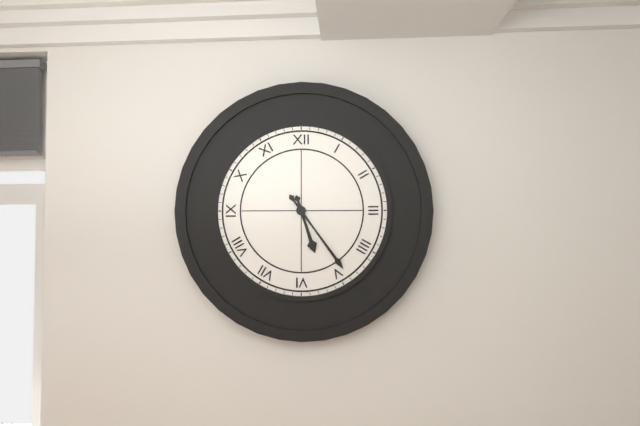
5:24
